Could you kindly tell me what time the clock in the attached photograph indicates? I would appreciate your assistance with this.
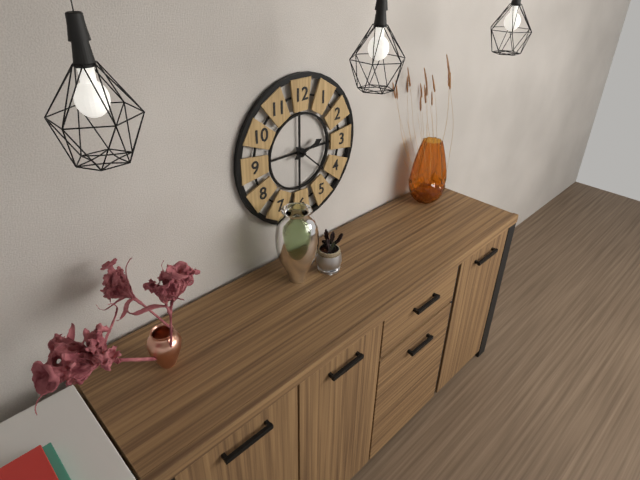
2:22
